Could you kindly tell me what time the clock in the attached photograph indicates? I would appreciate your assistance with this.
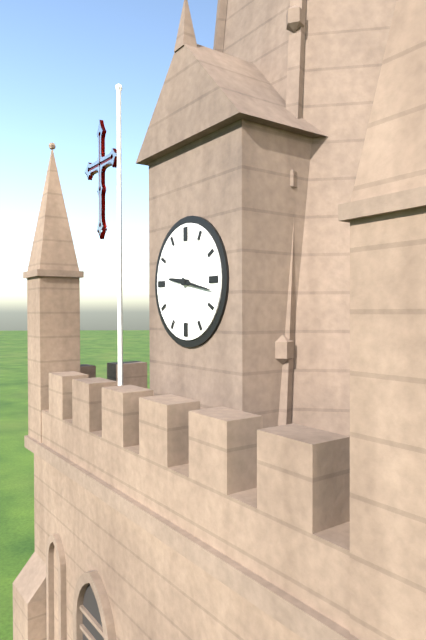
9:17
